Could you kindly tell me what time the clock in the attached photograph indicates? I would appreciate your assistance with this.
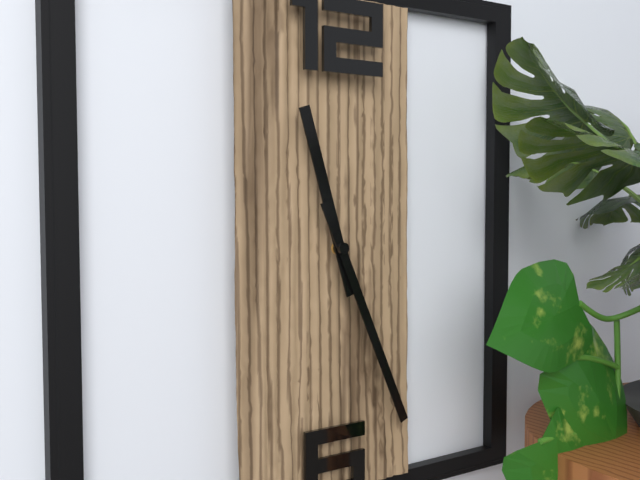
11:26
